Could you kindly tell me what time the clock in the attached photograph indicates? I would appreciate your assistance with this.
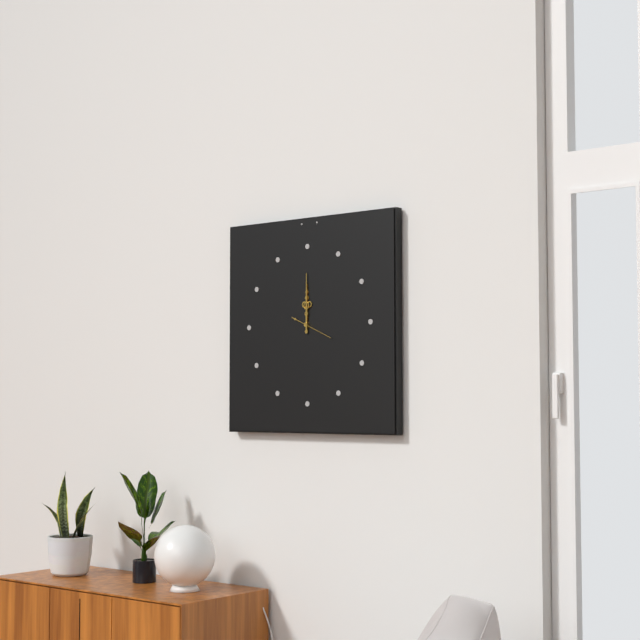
12:00
